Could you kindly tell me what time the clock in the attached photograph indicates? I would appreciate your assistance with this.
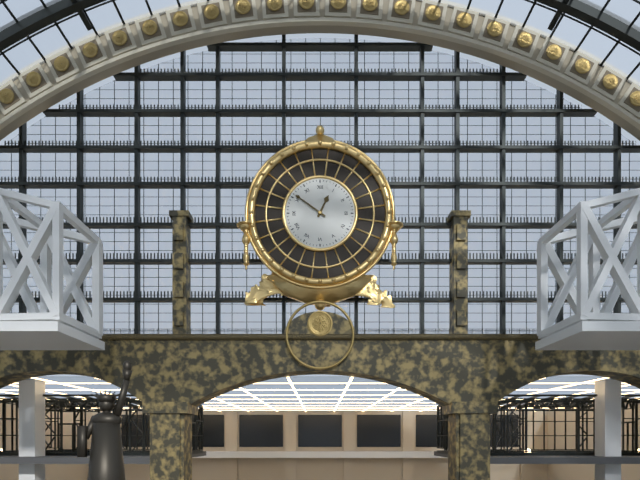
12:51
